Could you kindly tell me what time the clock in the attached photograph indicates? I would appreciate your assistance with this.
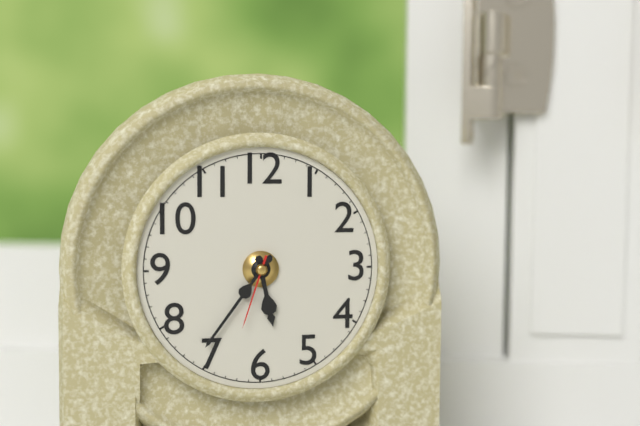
5:36:33
